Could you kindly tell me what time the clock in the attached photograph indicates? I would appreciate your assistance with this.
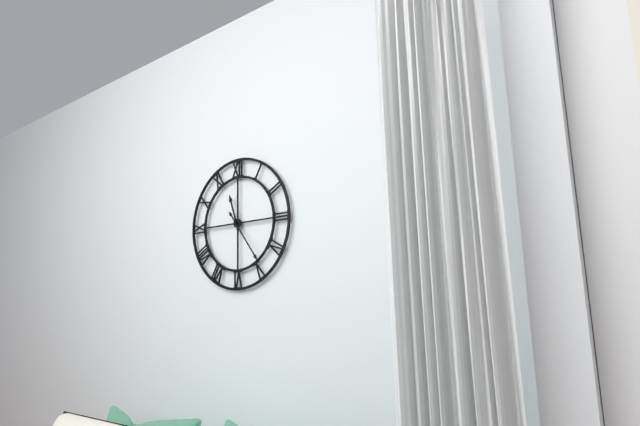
11:24
